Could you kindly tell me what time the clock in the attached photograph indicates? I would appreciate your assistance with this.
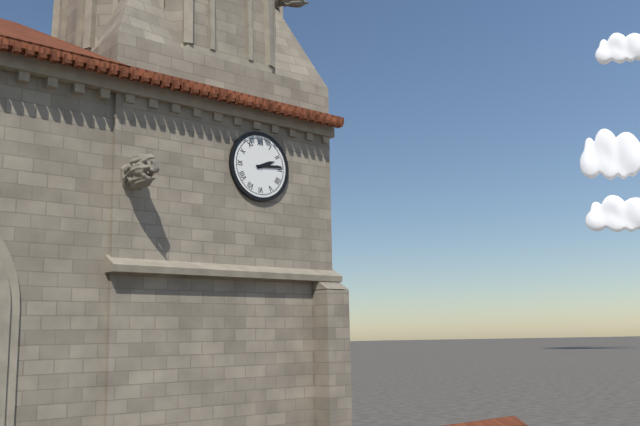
2:14
